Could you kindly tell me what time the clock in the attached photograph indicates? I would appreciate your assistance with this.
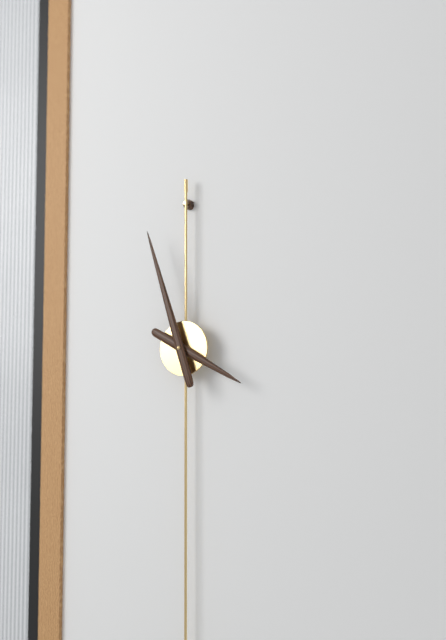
3:57
